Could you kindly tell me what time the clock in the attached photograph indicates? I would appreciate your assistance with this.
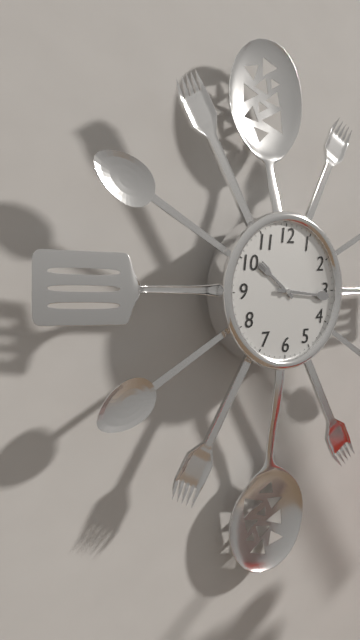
10:16
